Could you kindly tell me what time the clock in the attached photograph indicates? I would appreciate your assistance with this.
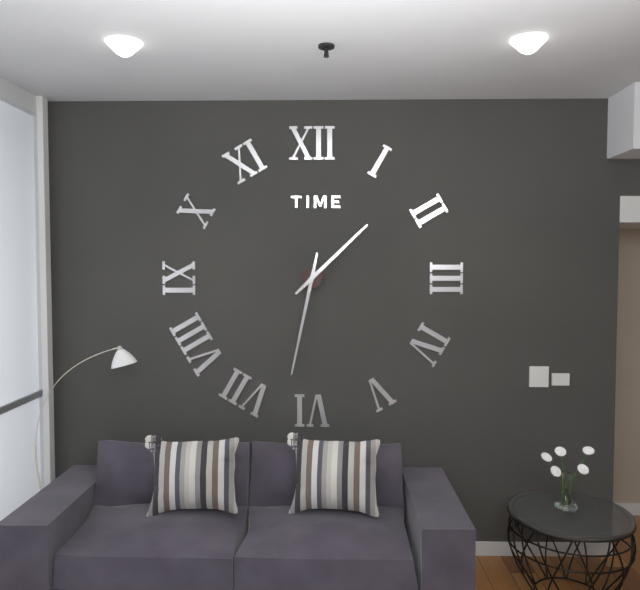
1:32
